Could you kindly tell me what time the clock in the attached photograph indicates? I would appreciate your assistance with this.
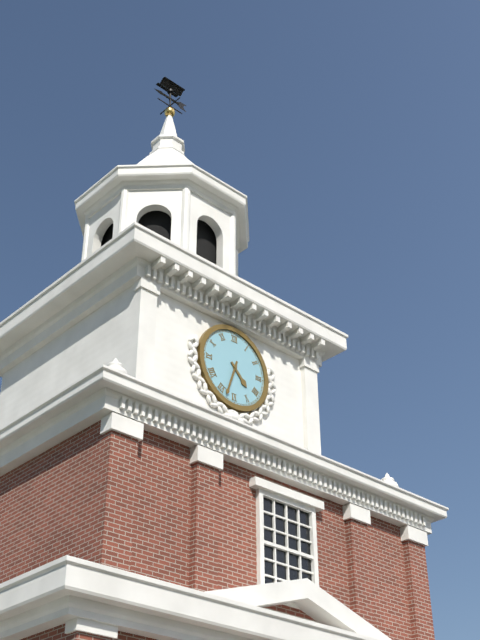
4:33
